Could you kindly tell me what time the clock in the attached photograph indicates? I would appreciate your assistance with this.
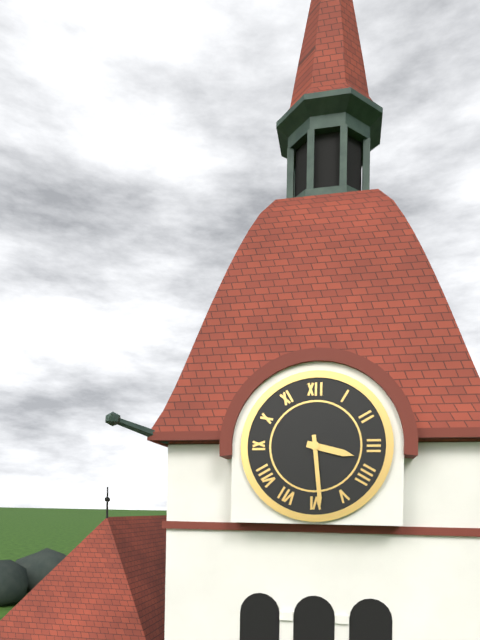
3:29
